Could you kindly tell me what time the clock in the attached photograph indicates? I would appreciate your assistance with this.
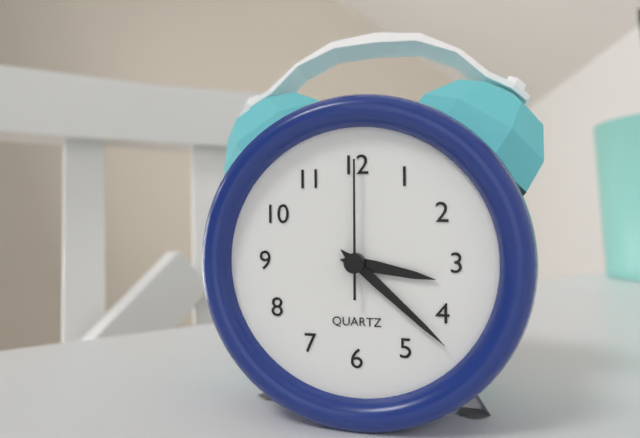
3:22:00
